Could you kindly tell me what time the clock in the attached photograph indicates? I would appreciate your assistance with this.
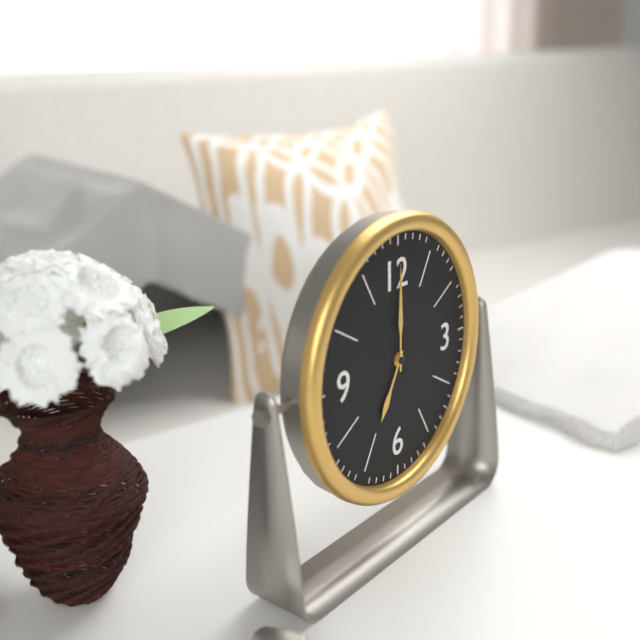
7:00
